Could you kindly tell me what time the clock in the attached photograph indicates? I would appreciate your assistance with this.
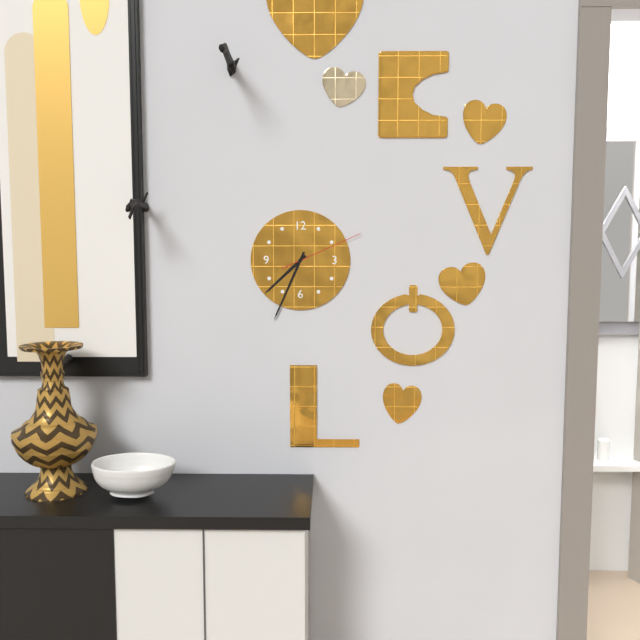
7:34:11
